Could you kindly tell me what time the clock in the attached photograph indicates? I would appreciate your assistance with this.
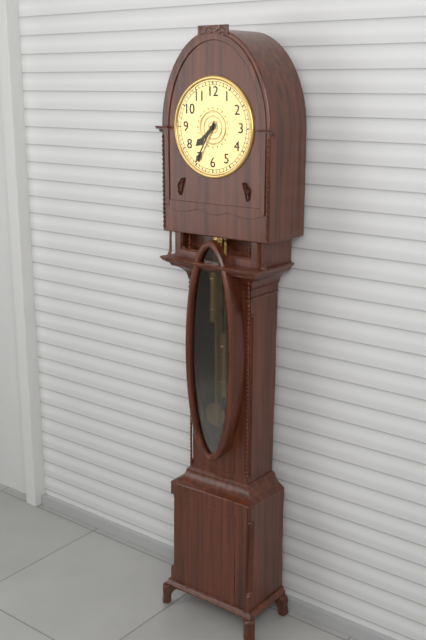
7:35
